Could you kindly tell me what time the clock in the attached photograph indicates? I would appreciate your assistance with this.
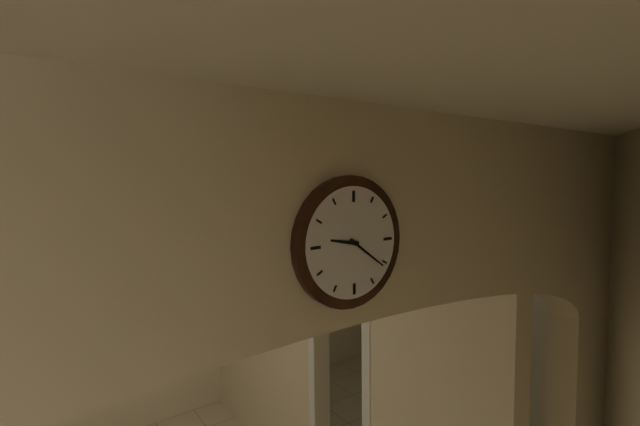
9:21
